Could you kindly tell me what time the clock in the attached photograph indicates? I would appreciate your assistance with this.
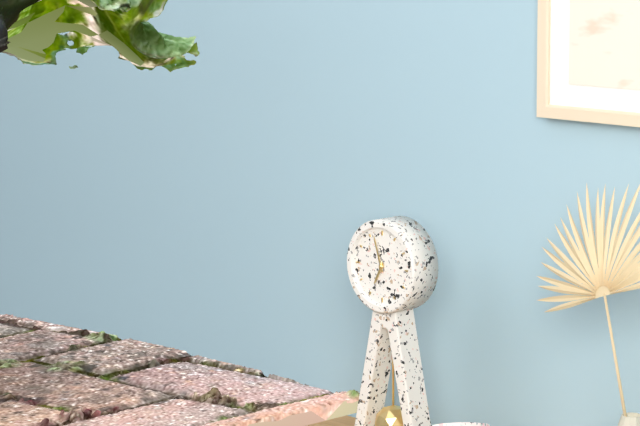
6:57
